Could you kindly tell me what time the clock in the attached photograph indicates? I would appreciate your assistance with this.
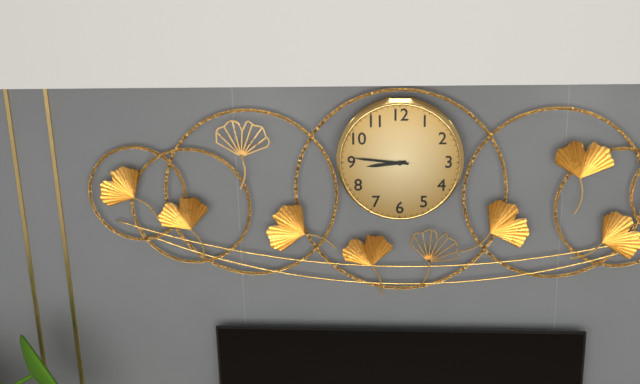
8:46
